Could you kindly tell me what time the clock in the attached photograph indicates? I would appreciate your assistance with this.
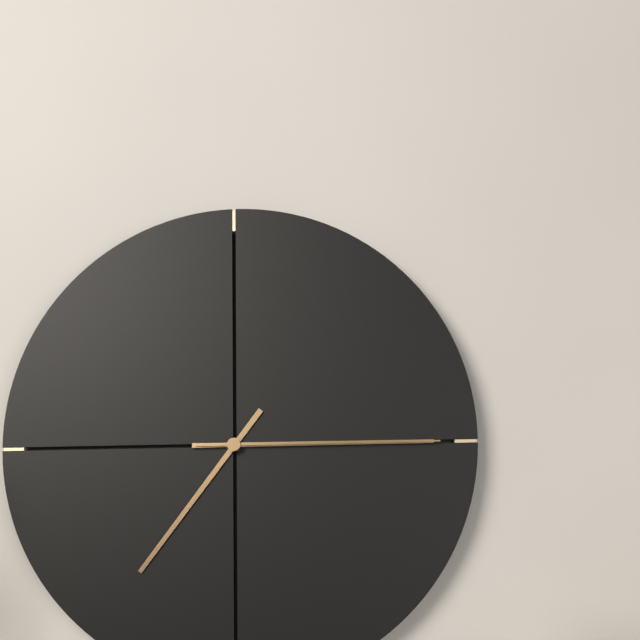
7:15:15
